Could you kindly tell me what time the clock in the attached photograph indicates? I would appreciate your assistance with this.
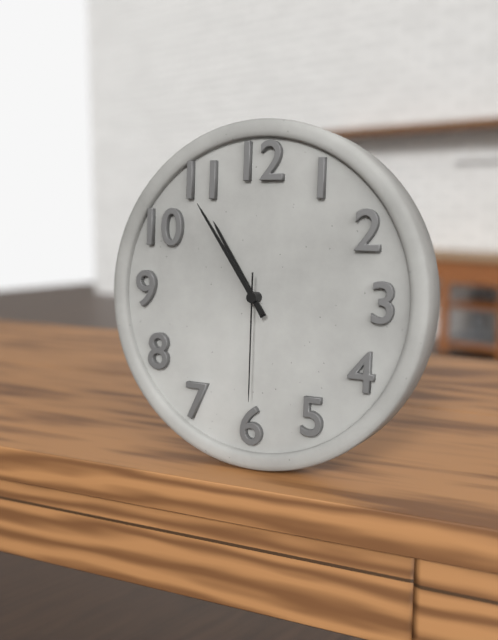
10:54:30
